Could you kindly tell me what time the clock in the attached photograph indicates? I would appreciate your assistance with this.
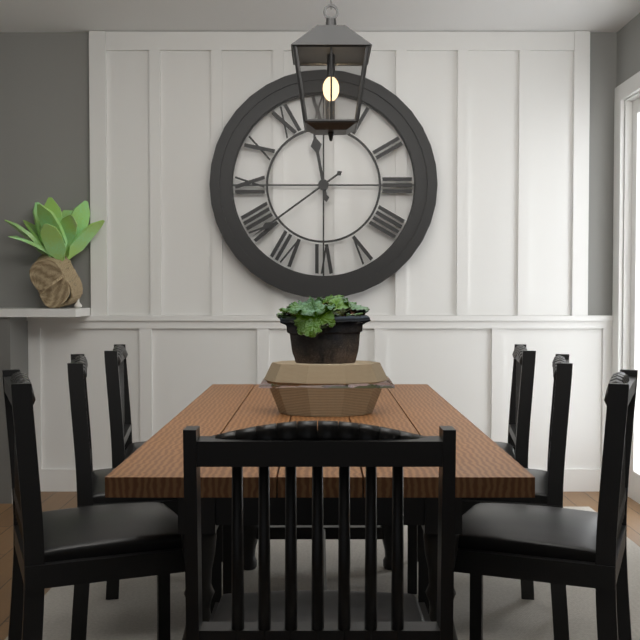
11:39
